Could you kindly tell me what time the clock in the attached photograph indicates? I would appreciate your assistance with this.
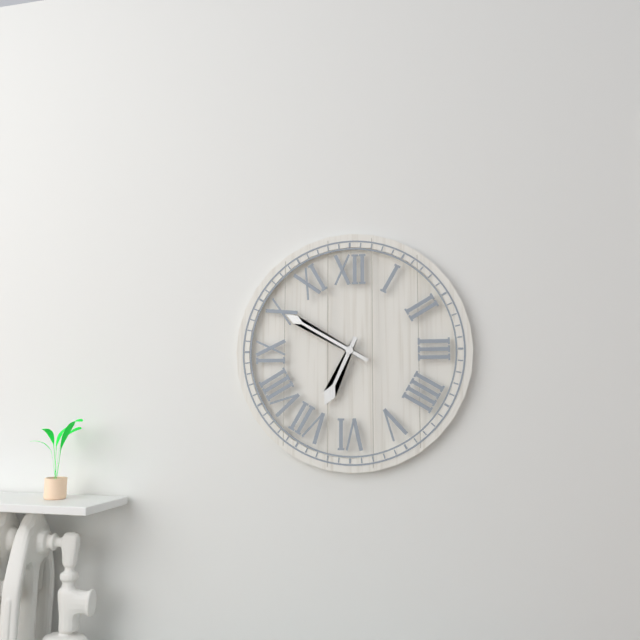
6:50
